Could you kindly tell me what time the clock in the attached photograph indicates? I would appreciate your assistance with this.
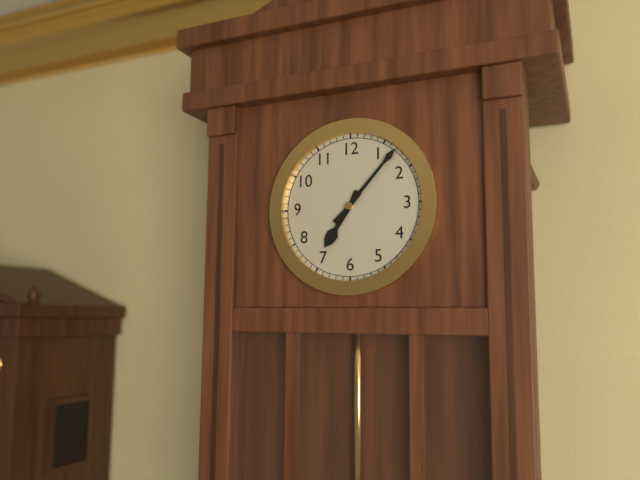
7:07
